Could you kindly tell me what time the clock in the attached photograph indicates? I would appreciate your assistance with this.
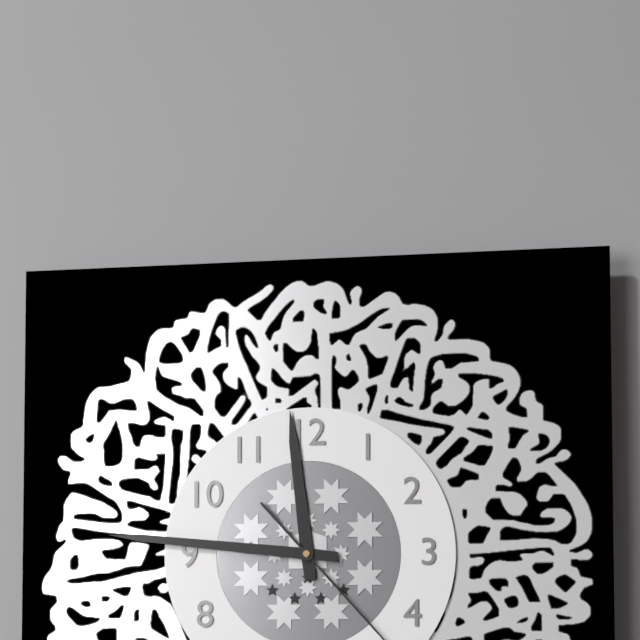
11:46
